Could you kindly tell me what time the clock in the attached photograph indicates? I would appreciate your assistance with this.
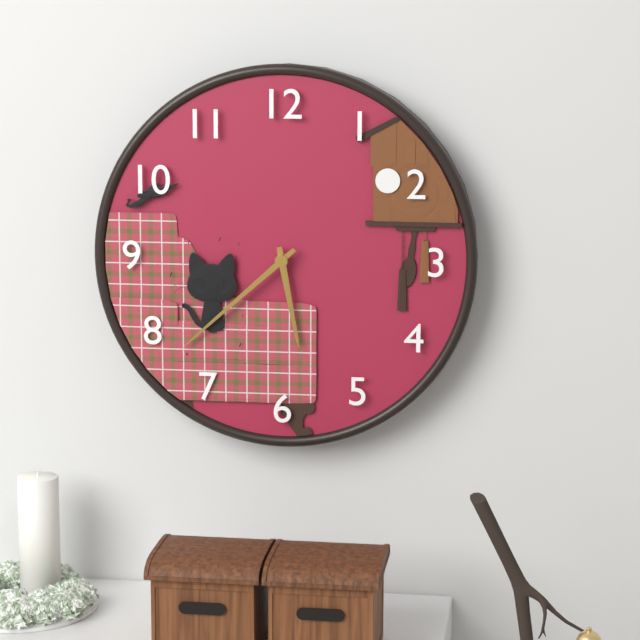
5:38
